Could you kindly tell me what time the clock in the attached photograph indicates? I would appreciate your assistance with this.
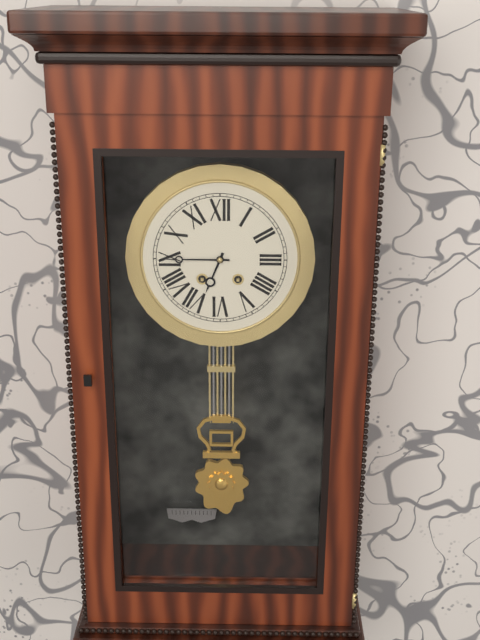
6:45
